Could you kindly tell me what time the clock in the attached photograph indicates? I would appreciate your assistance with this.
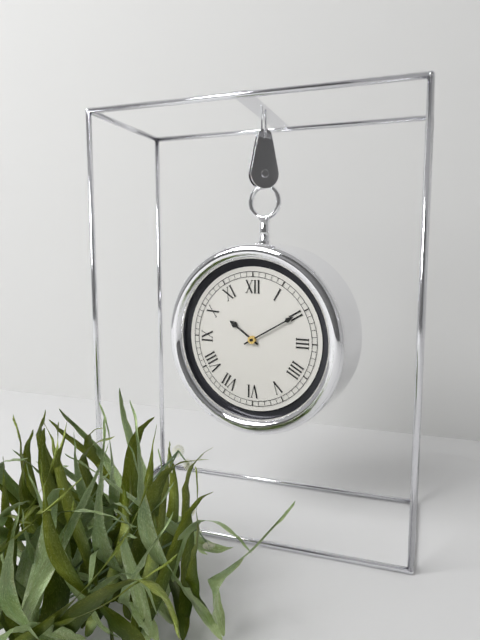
10:10
